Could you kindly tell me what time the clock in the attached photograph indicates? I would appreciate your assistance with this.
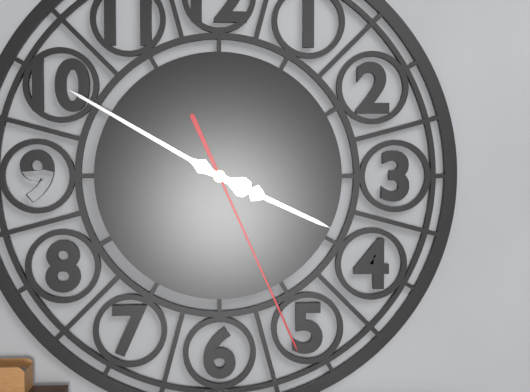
3:50:26
